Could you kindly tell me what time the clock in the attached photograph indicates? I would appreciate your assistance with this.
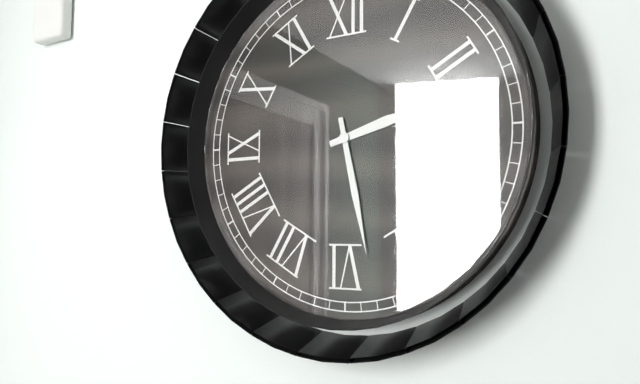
2:28
